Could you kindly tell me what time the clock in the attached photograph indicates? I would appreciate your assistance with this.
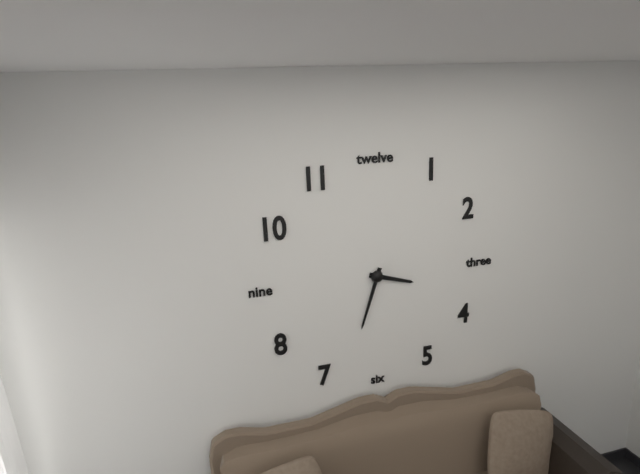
3:33
